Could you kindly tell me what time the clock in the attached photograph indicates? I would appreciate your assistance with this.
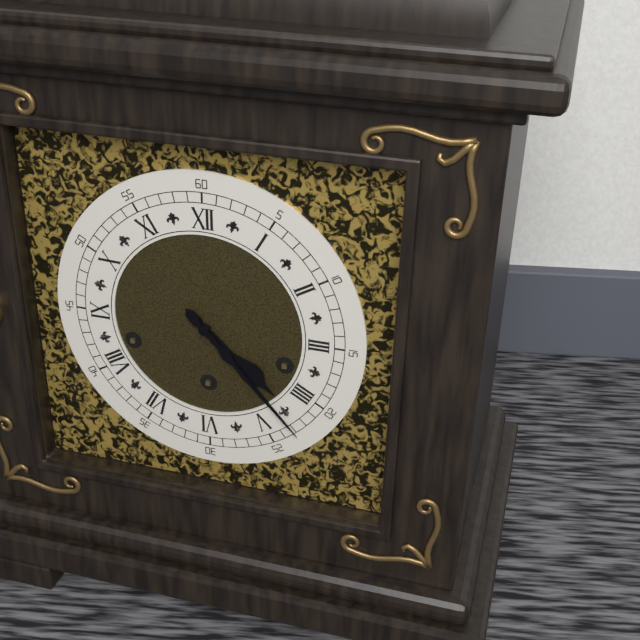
4:23
